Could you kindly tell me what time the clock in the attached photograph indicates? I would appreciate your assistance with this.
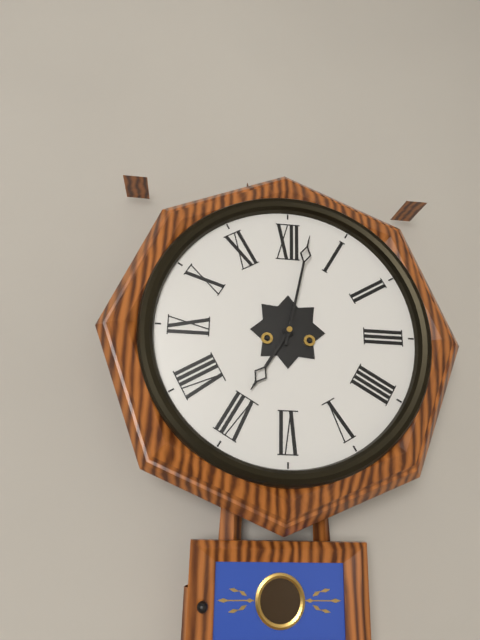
7:02
